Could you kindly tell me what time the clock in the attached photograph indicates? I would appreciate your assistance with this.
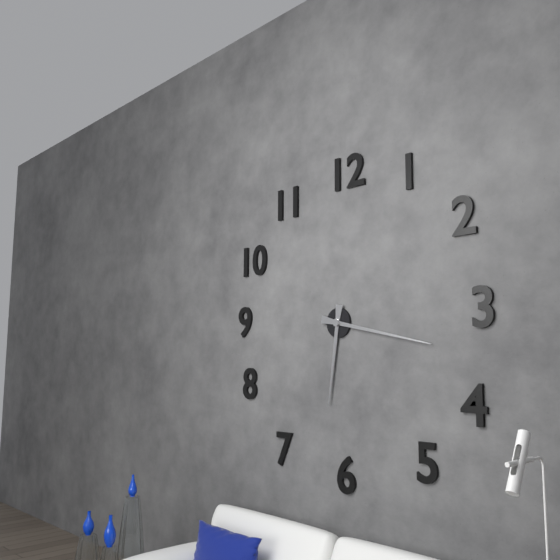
6:17
